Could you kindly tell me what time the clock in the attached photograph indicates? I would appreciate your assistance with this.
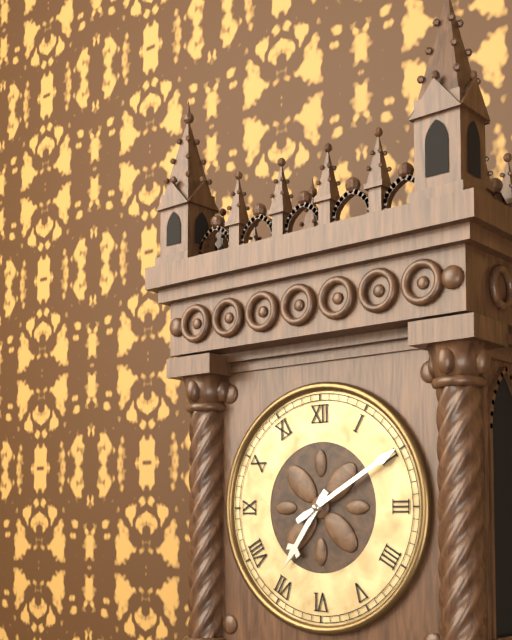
7:10
